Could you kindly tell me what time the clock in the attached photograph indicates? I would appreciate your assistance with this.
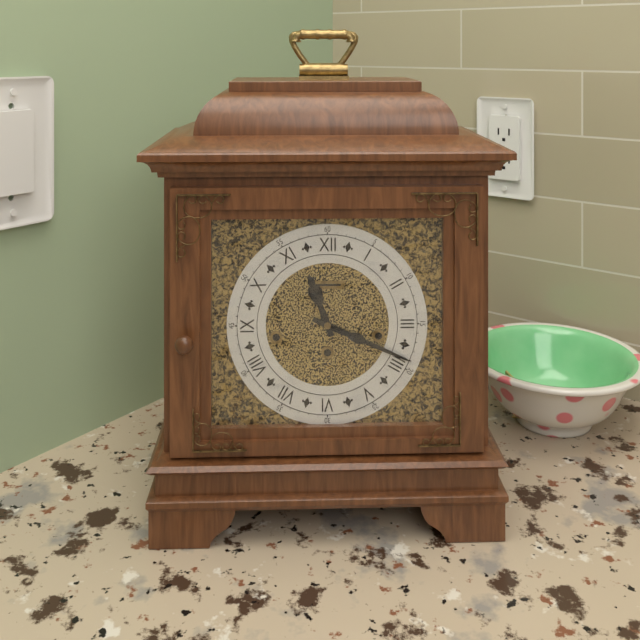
11:19
